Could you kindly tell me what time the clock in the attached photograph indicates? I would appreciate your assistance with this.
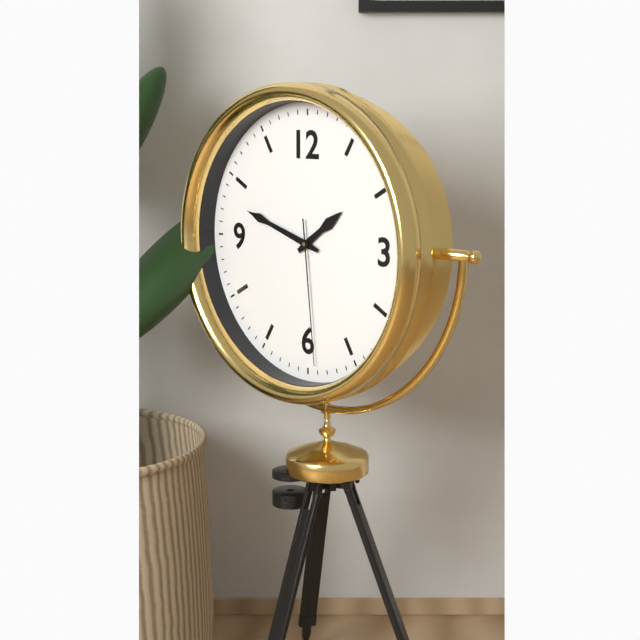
1:48:29
